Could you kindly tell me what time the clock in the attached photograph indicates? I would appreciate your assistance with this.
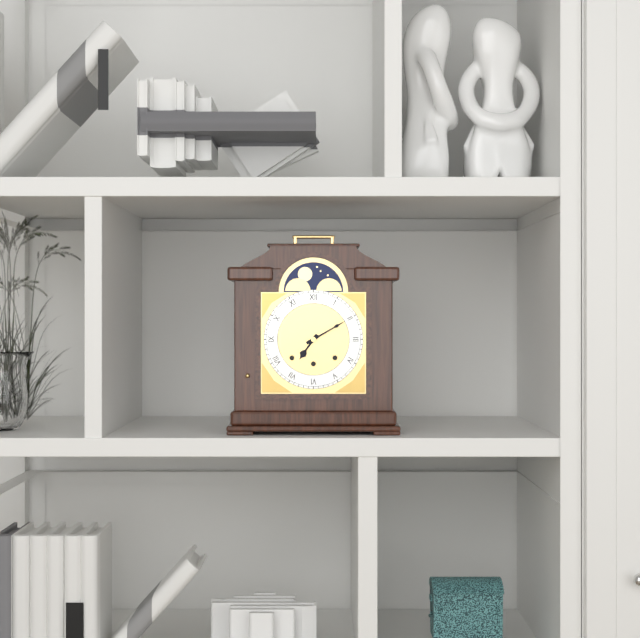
7:10
